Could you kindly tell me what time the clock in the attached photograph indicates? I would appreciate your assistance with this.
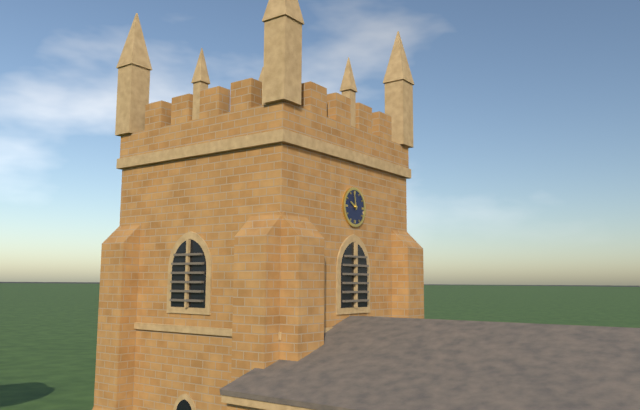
9:58
